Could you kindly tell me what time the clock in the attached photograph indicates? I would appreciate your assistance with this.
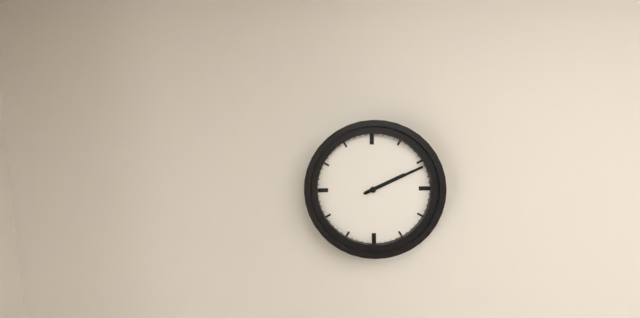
2:11
